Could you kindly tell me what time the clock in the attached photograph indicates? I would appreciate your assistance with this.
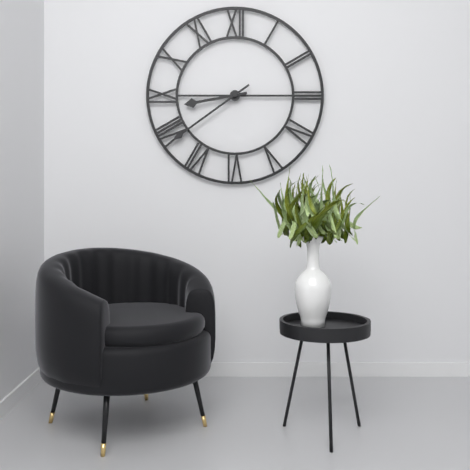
8:39
